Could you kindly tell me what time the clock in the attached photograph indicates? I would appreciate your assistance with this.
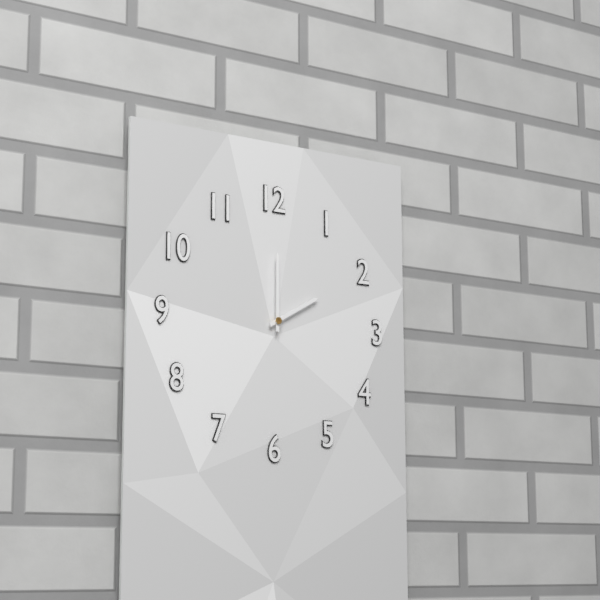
2:00
